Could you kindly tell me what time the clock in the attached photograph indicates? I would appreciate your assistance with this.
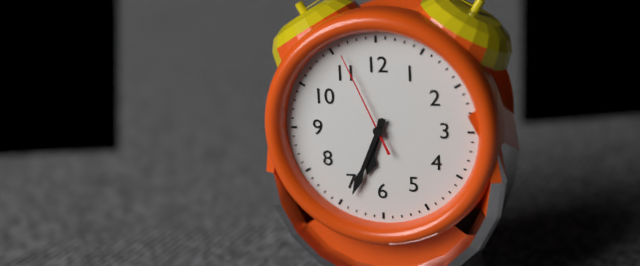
6:34:56
